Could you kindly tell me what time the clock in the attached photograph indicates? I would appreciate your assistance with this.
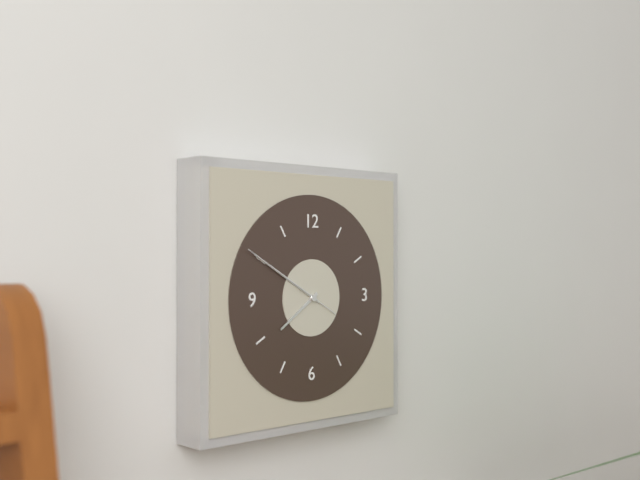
7:50:50
